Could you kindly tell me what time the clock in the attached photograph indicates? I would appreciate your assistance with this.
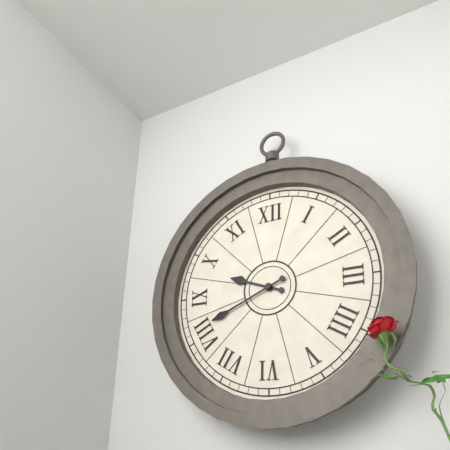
9:41
